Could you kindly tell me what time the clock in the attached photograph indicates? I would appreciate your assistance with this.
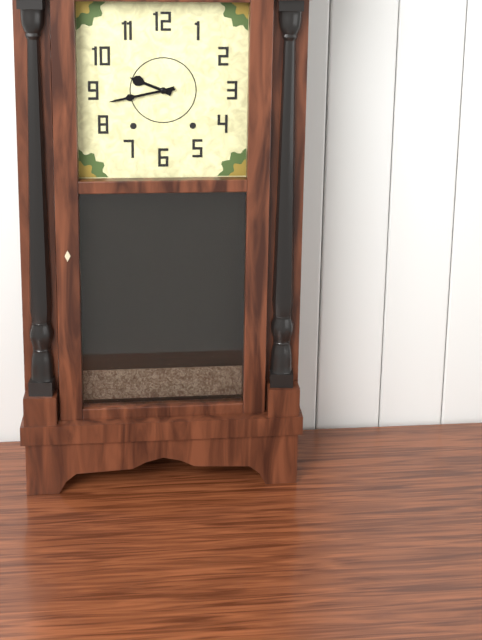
9:43
